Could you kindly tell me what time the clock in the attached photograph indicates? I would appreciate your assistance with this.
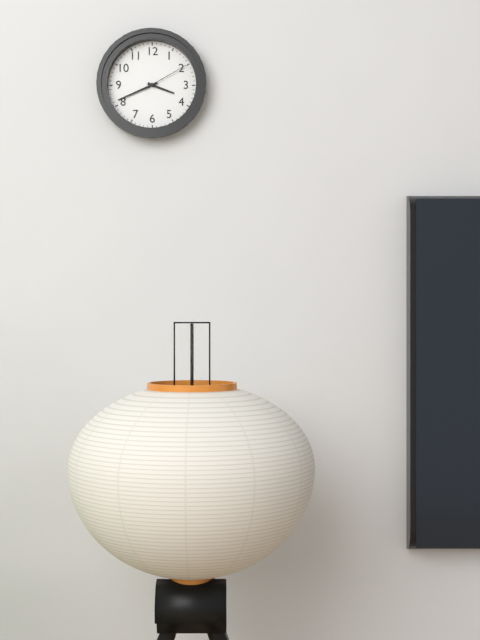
3:41
